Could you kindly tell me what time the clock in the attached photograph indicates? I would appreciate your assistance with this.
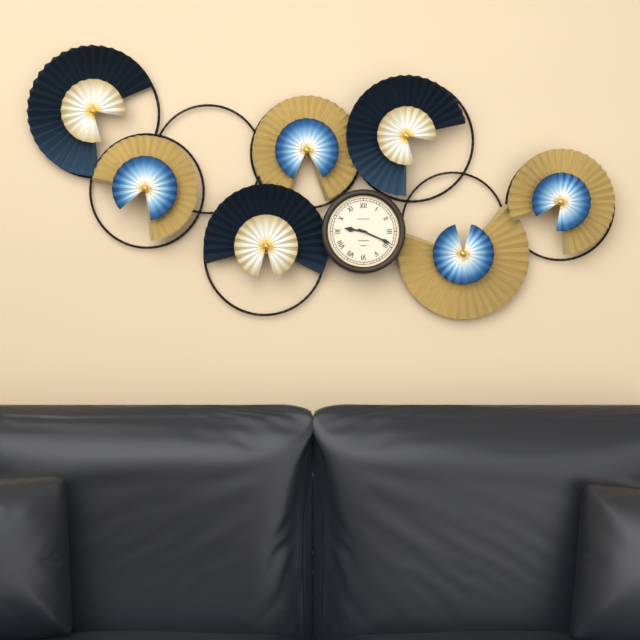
9:19
